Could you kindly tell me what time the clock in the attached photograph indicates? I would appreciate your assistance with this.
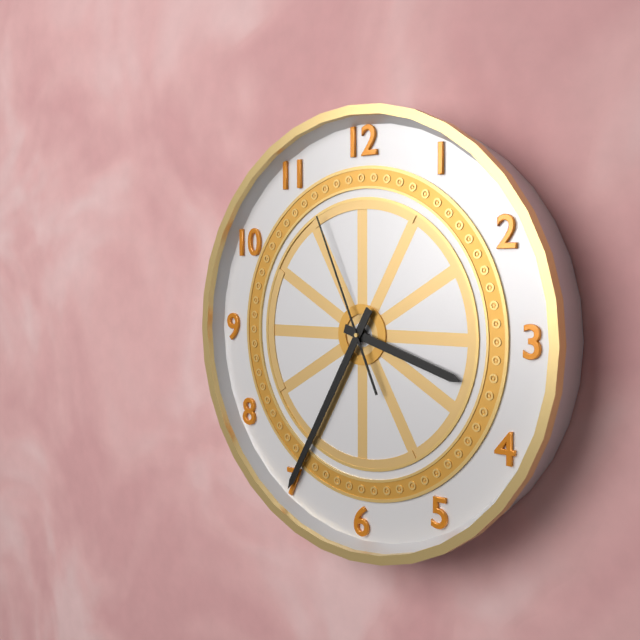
3:35:56
